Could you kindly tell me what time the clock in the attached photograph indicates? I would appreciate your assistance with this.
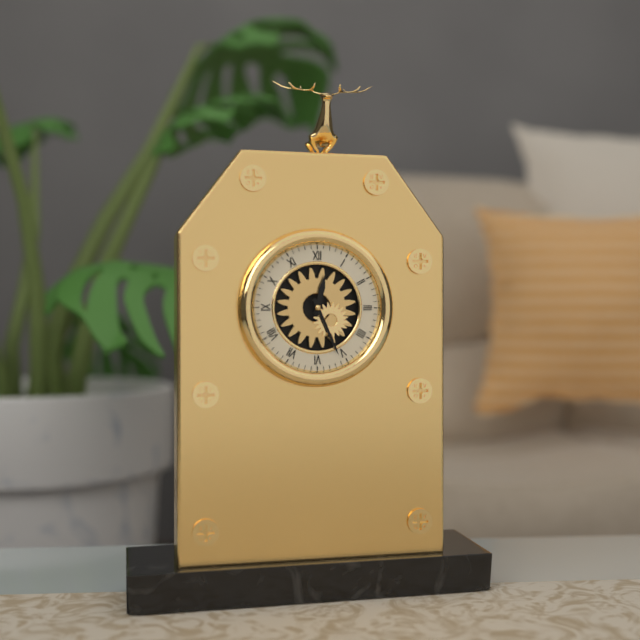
12:26
